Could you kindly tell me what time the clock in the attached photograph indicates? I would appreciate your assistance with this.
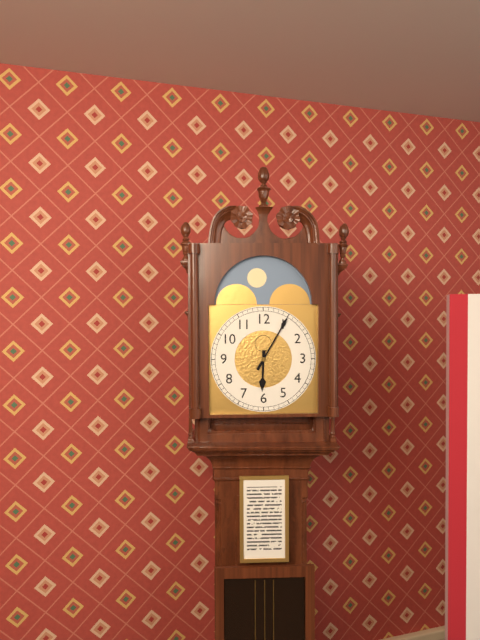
6:05
